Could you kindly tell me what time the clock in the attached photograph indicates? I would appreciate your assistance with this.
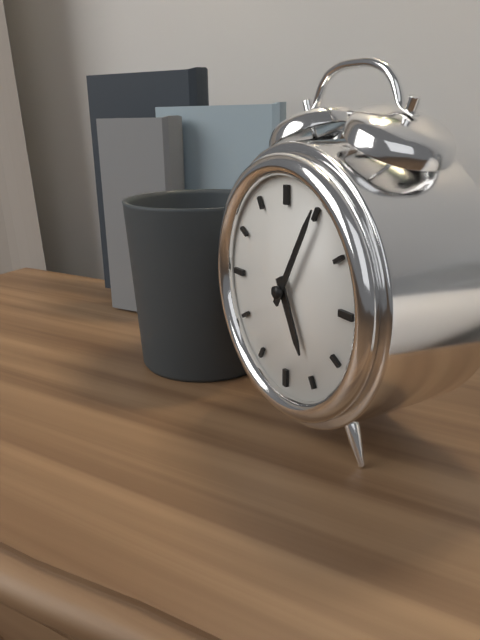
5:05
